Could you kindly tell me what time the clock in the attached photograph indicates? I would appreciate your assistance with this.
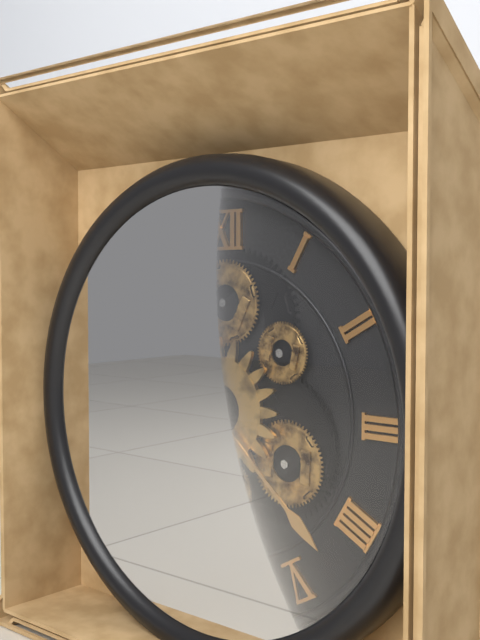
6:22
